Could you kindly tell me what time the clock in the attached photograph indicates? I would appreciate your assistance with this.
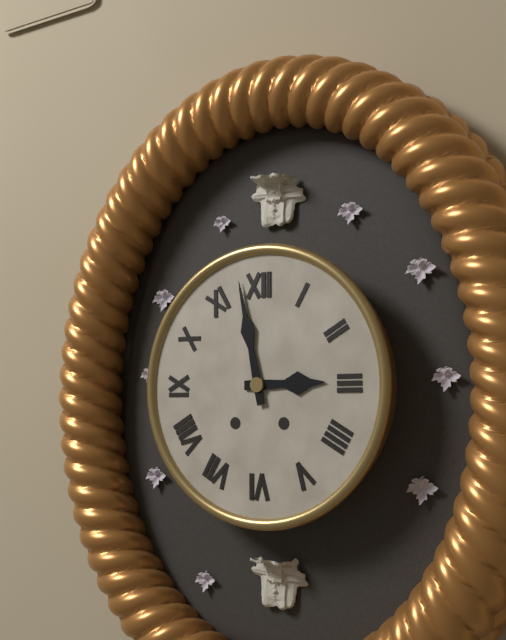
2:58
